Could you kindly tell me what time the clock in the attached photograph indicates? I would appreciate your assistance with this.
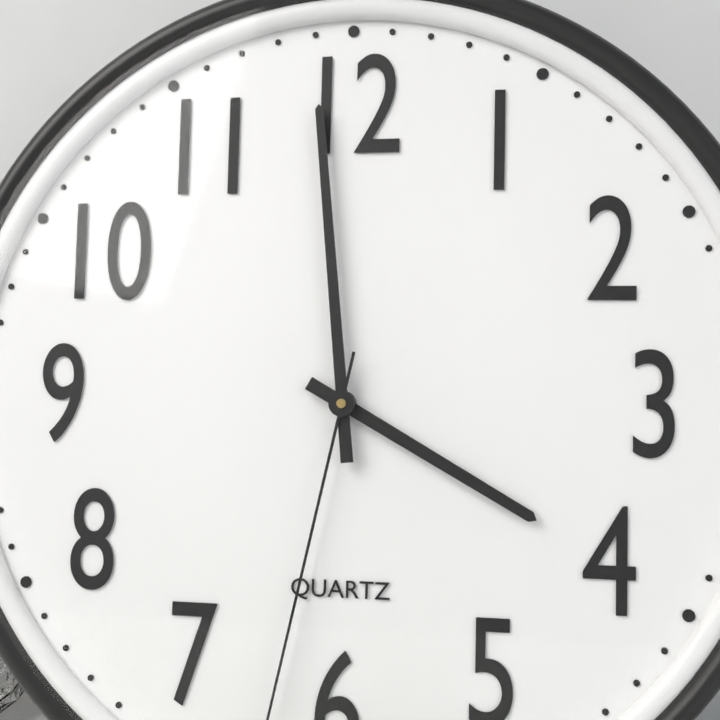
3:59
